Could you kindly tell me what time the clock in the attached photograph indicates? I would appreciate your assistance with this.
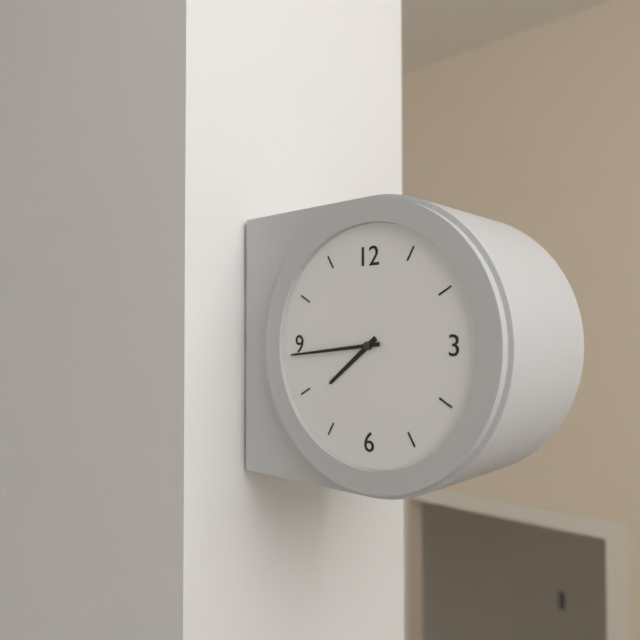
7:44
